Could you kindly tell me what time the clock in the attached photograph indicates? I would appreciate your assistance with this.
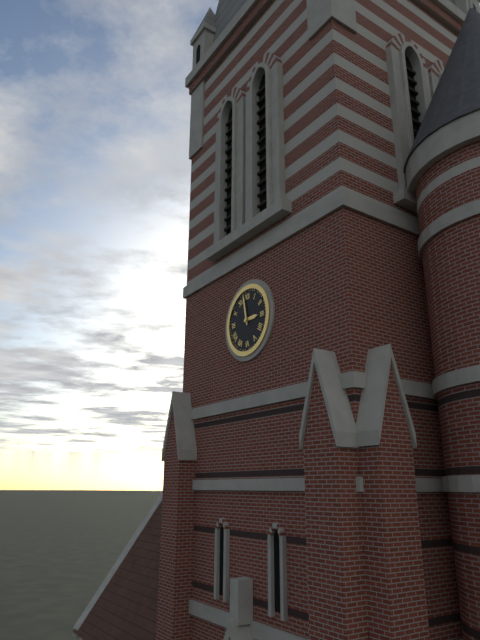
2:58
